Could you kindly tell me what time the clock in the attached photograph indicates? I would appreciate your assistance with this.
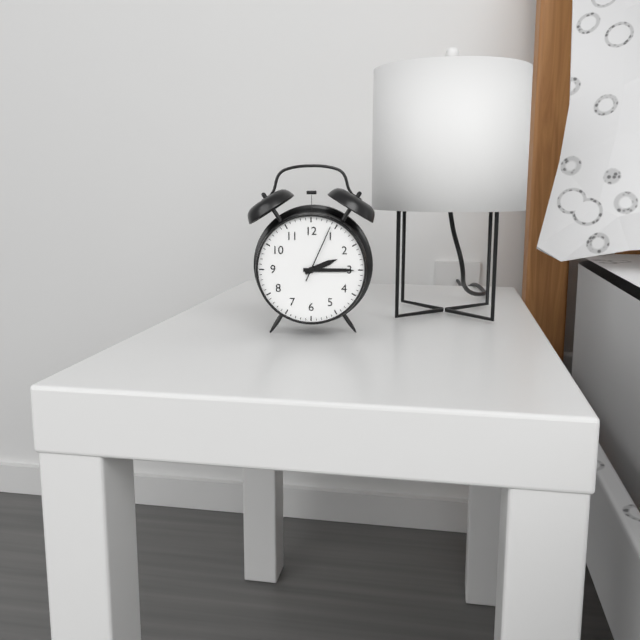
2:15:04
